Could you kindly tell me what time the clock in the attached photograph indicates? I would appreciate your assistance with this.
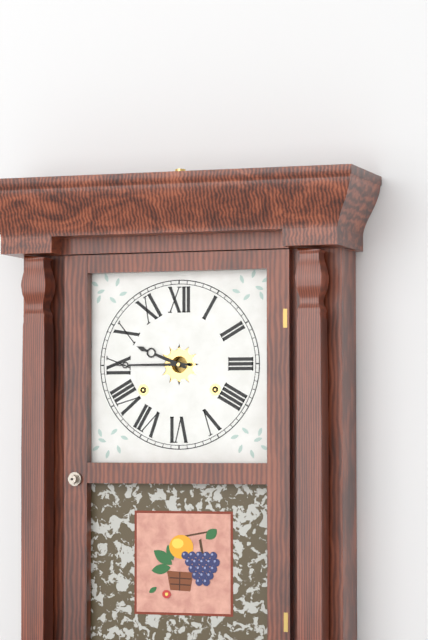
9:45
